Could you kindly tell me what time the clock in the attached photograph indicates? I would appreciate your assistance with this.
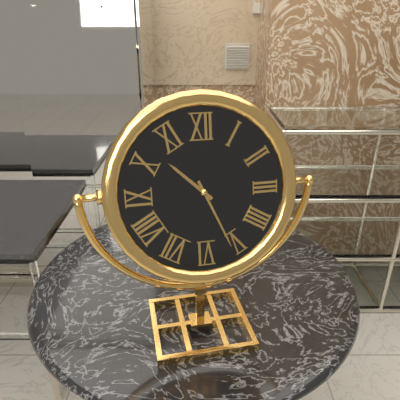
10:26
